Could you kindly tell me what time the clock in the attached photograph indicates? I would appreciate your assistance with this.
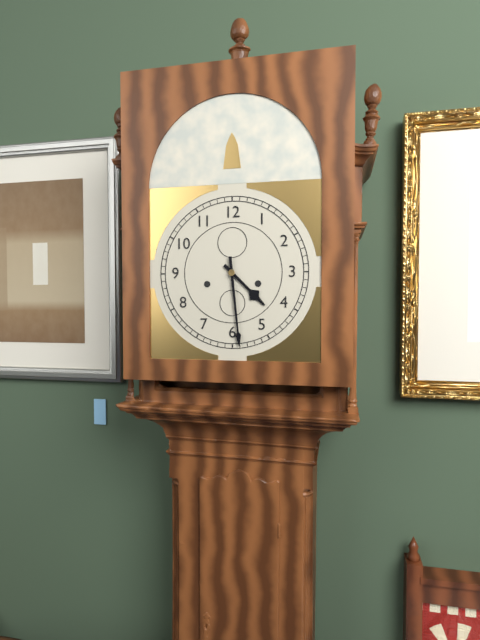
4:29
